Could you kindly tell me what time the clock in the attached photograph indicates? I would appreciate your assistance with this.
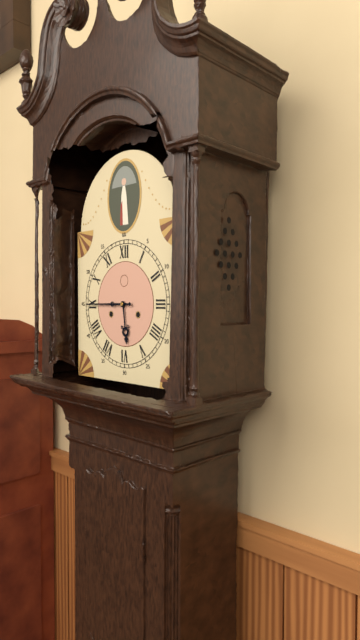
5:45
